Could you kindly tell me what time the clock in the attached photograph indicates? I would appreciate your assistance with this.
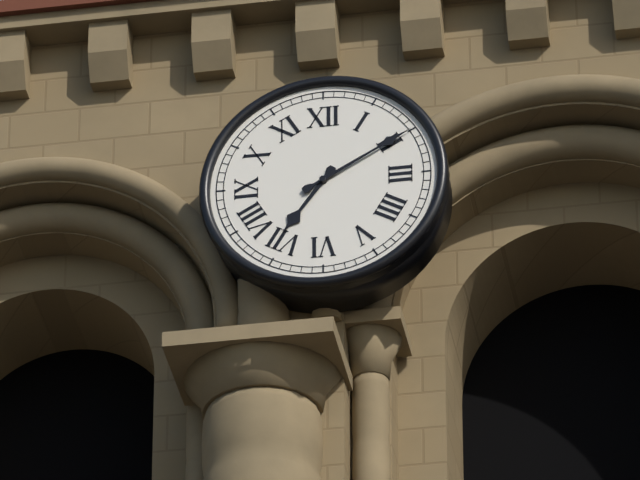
7:10
